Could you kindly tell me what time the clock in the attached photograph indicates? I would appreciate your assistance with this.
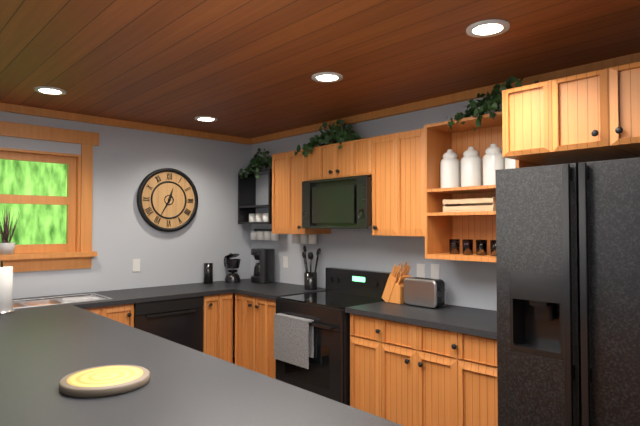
12:35
